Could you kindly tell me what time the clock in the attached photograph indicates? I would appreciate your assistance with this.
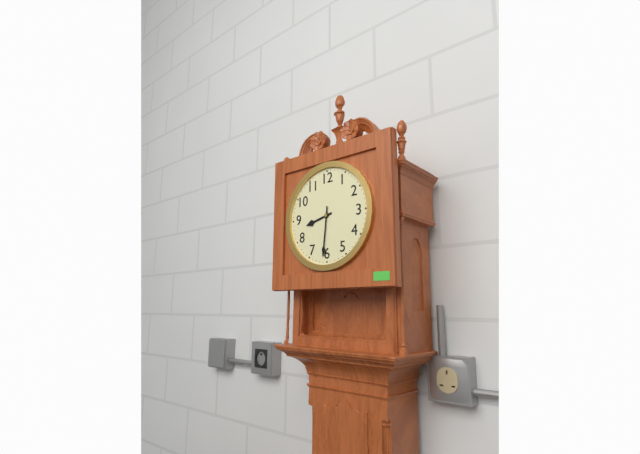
8:31
